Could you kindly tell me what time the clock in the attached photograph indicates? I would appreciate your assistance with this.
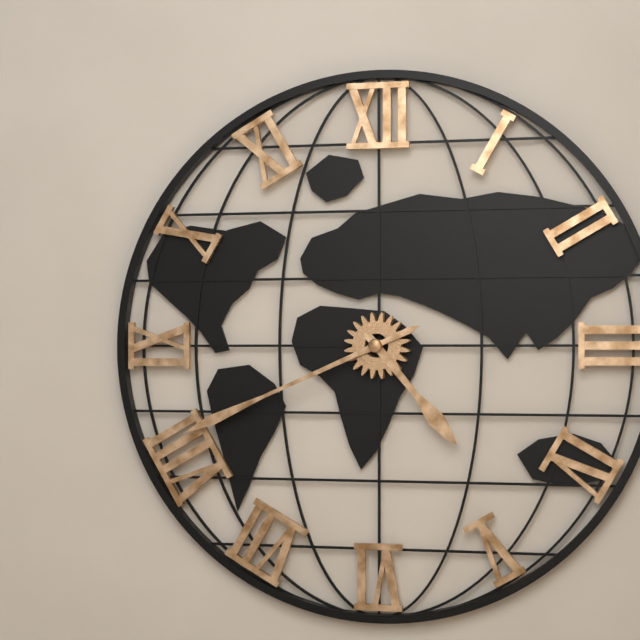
4:41
